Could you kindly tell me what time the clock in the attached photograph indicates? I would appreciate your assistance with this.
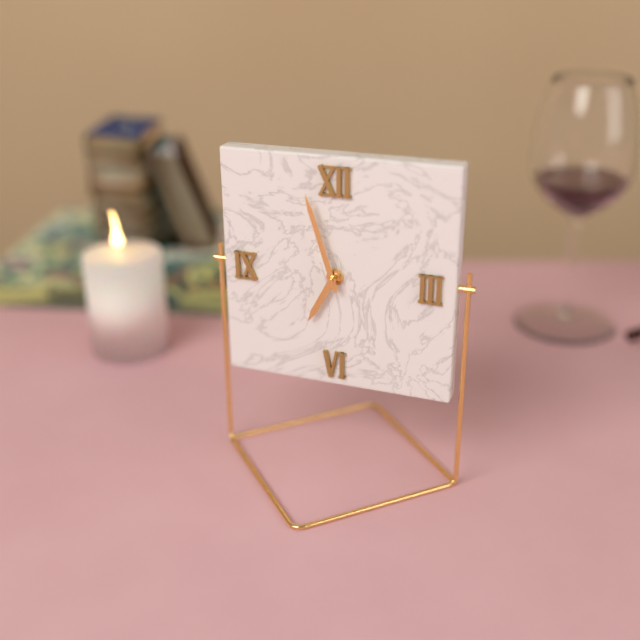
6:57
